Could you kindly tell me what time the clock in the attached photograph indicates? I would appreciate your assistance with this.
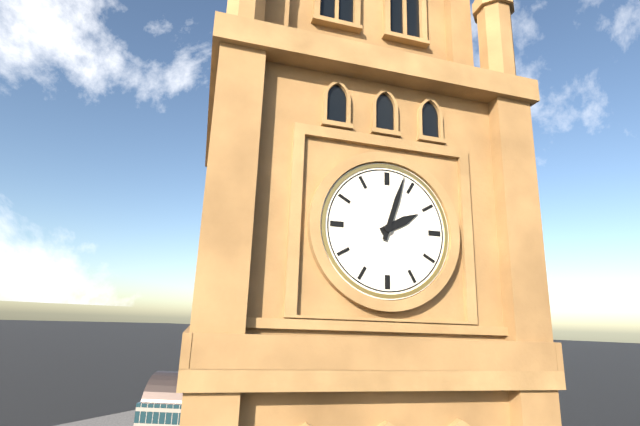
2:03
